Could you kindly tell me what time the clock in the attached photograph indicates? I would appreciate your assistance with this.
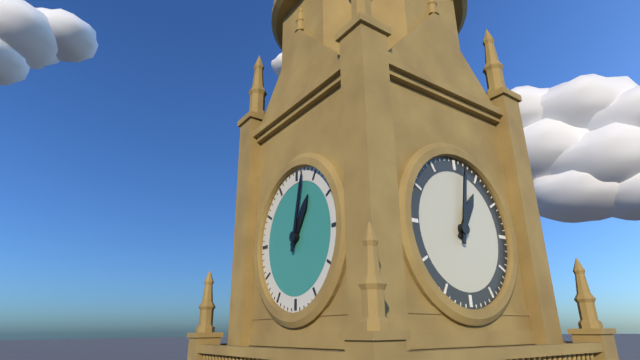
1:02
